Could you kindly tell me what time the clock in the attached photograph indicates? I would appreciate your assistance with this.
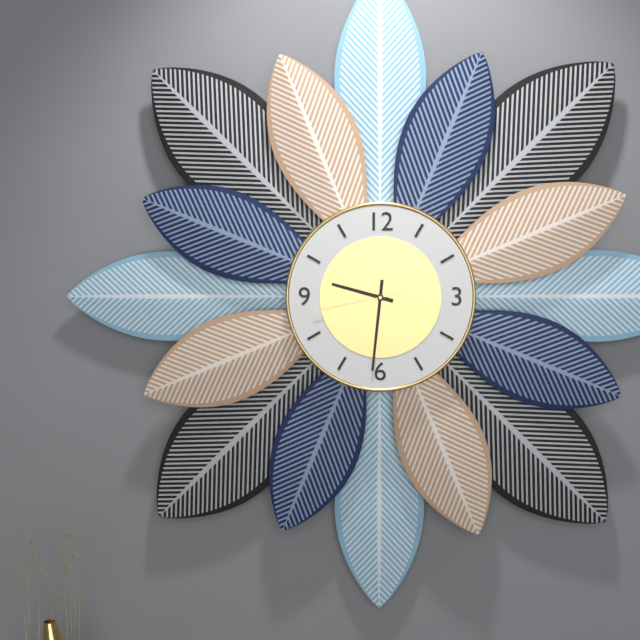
9:31:43
